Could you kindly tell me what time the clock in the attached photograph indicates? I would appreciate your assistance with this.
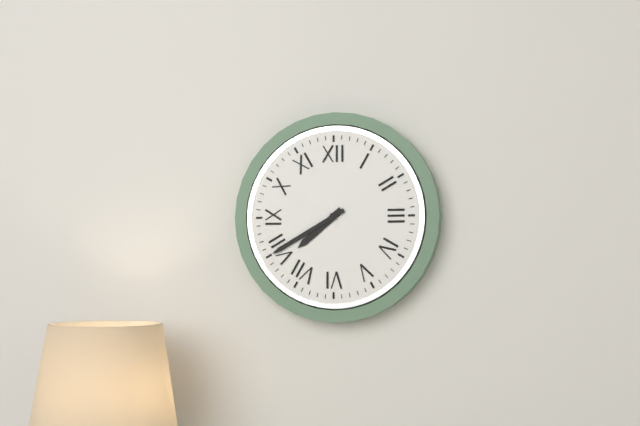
7:40
